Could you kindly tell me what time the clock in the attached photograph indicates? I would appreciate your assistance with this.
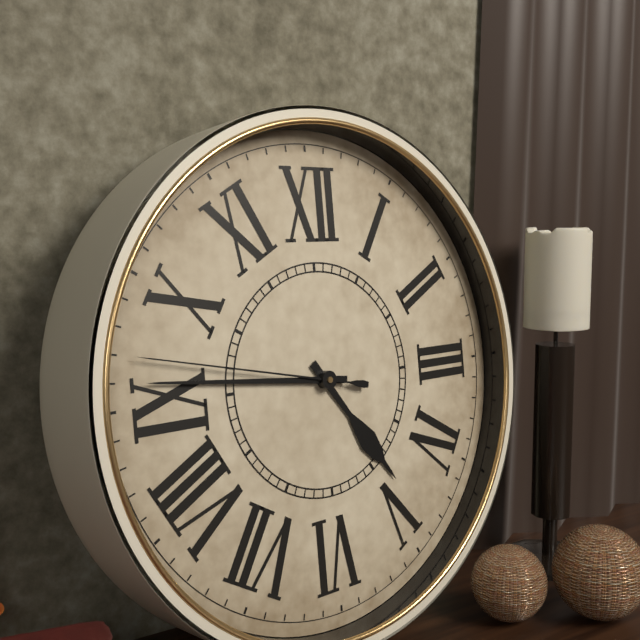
4:46:47
